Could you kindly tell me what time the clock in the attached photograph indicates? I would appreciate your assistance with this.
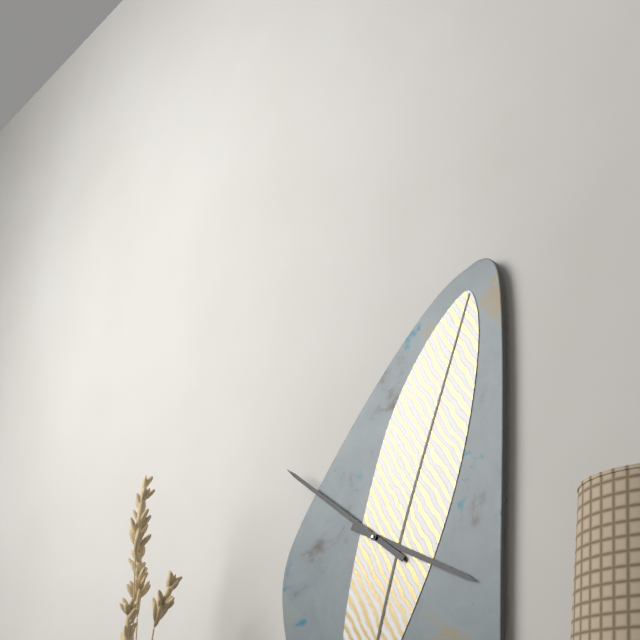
3:51
